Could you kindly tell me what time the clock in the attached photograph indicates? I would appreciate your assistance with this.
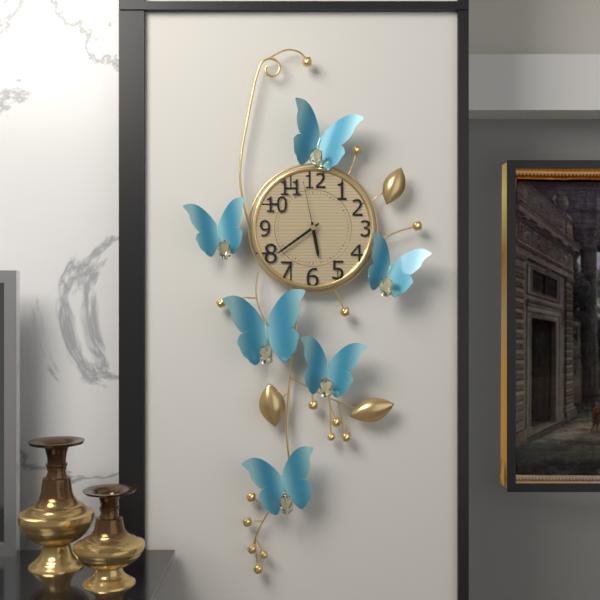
5:39:58
